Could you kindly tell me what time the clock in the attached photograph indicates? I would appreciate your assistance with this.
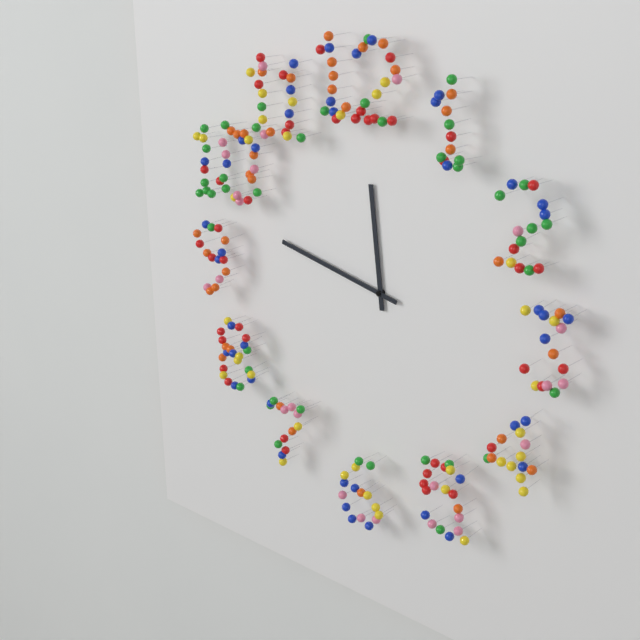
11:47
